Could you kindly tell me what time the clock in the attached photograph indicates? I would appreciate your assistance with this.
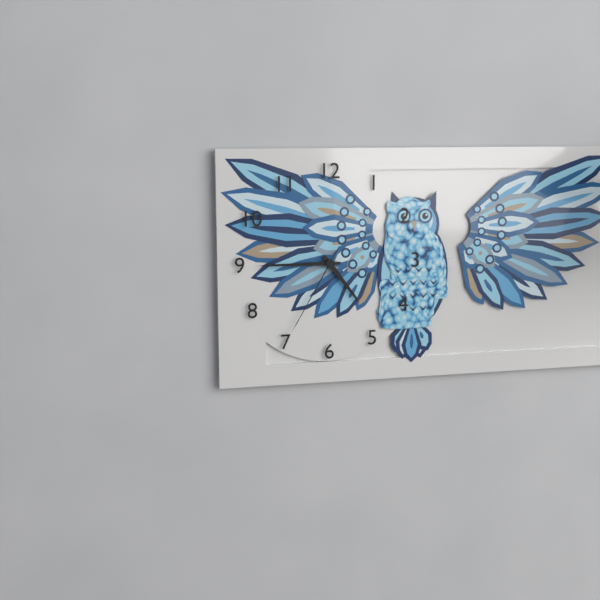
4:45:35
